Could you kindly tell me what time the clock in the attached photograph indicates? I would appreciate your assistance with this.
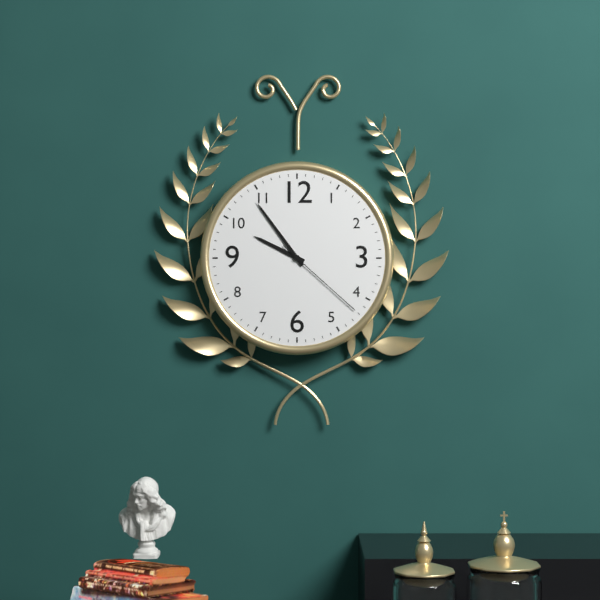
9:54:22
